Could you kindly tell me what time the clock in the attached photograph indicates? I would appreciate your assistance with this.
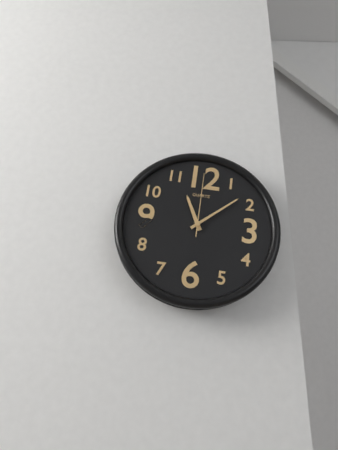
11:08:00
